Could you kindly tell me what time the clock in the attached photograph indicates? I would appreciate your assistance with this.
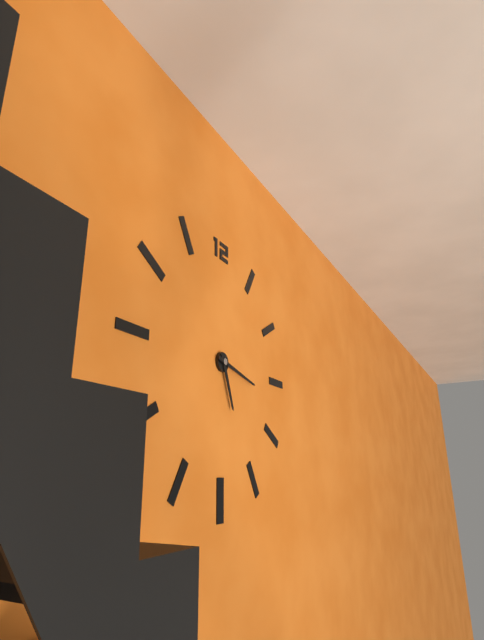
5:17
